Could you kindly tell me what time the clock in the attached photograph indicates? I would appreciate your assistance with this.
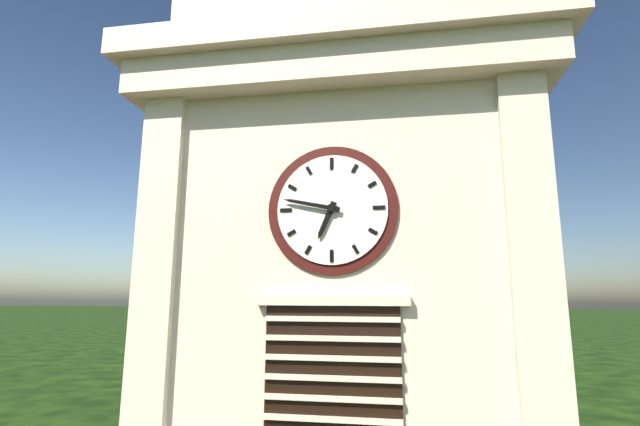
6:47
